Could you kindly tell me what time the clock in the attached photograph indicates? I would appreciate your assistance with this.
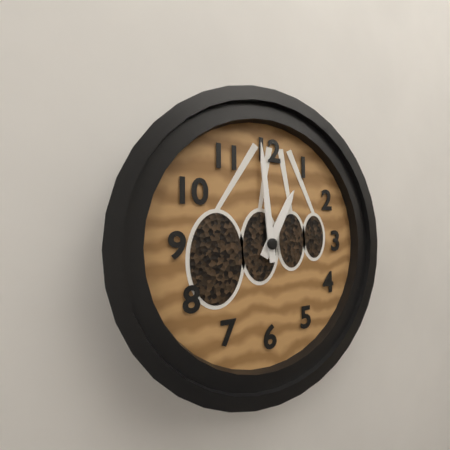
12:59
